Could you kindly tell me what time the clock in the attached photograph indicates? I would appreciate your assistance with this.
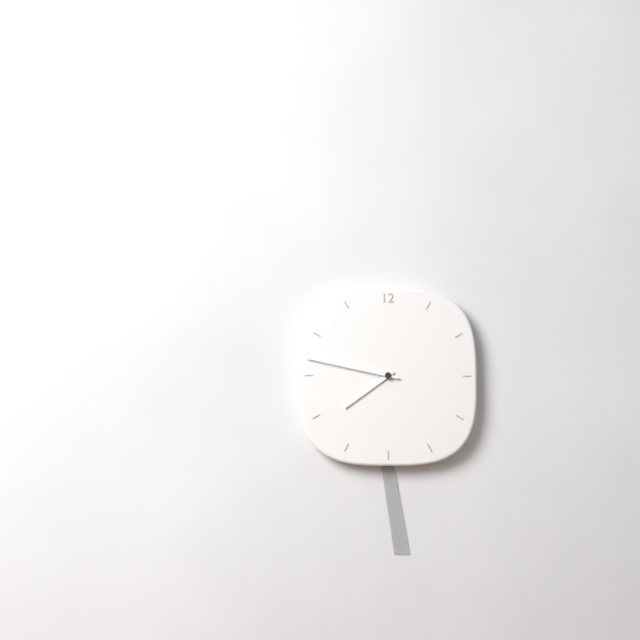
7:47
